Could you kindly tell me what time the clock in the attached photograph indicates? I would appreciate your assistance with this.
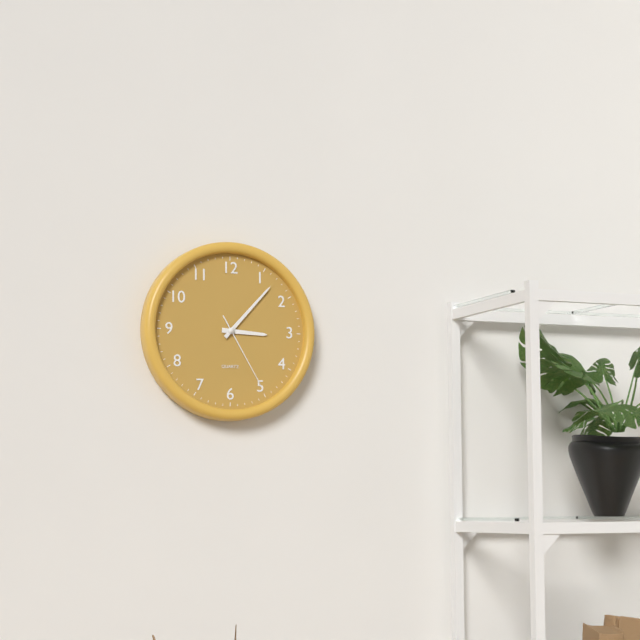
3:07:25
